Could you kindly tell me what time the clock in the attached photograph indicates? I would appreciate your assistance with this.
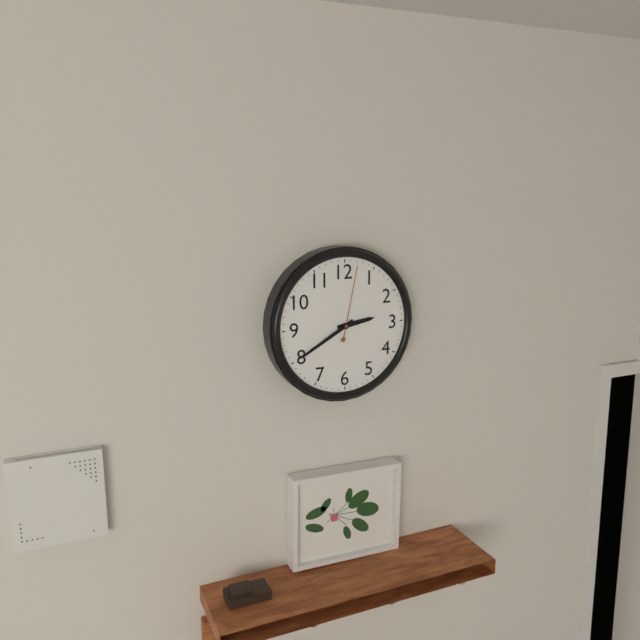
2:40:02
